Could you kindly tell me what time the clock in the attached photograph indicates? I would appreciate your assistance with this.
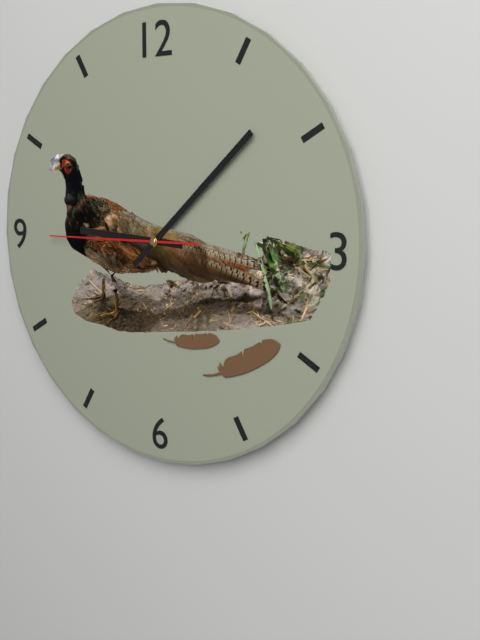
9:08:45
